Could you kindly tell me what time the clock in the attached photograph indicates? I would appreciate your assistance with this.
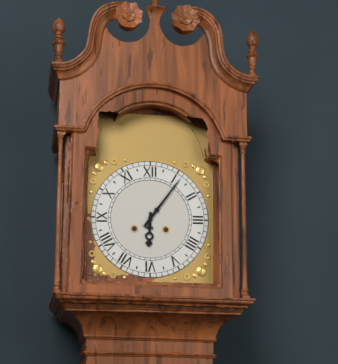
6:06
